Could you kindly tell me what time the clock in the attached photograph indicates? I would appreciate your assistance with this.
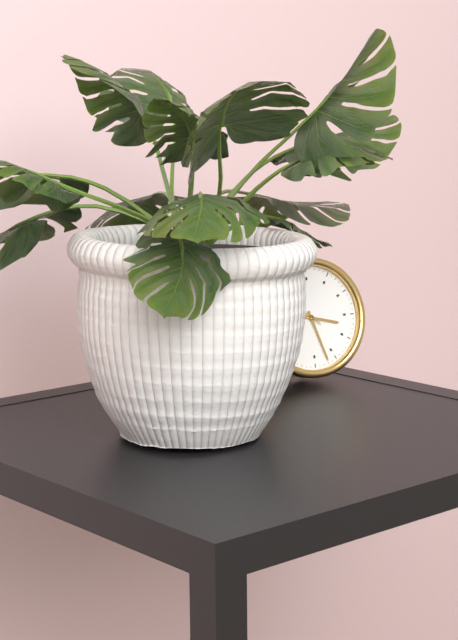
3:27
